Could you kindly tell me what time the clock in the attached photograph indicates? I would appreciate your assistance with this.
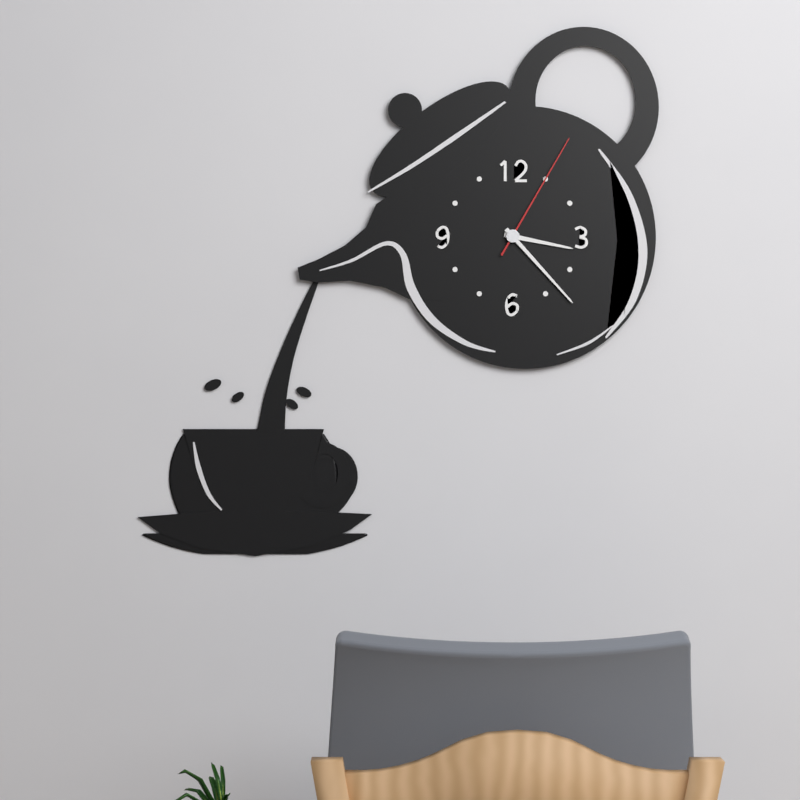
3:23:05
